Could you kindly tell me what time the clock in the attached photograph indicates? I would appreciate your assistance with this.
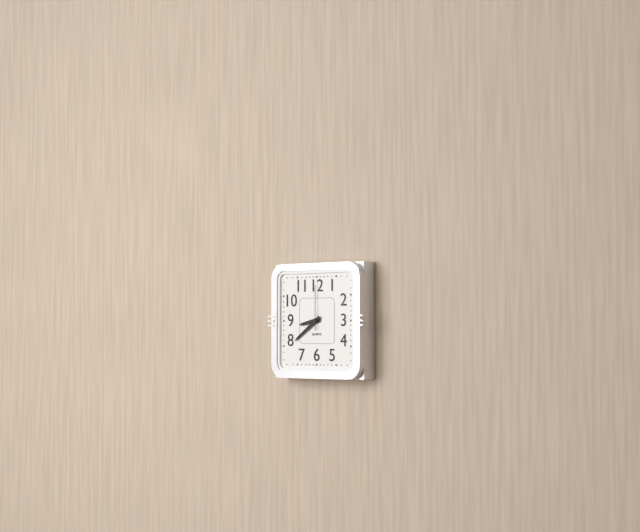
8:39
